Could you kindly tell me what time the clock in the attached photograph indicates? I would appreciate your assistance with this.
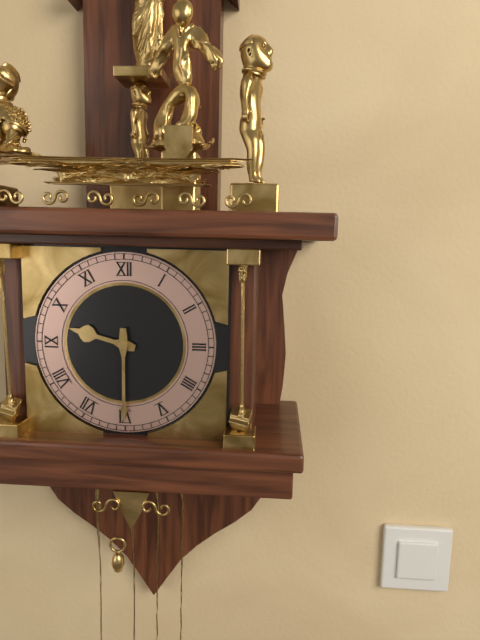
9:30
